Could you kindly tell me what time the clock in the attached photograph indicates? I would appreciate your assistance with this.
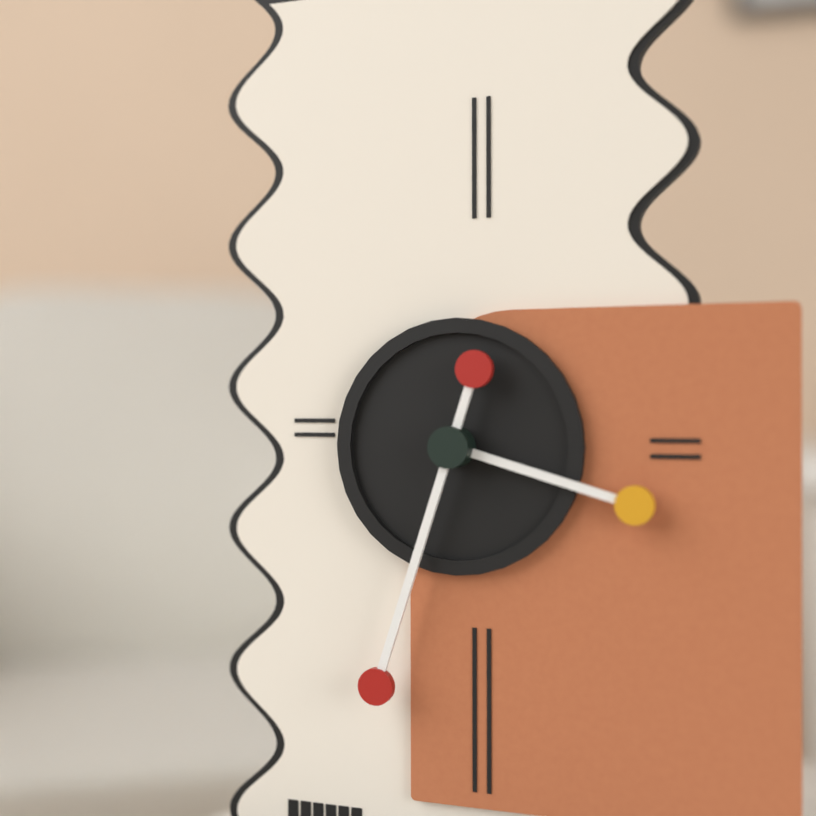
3:33
